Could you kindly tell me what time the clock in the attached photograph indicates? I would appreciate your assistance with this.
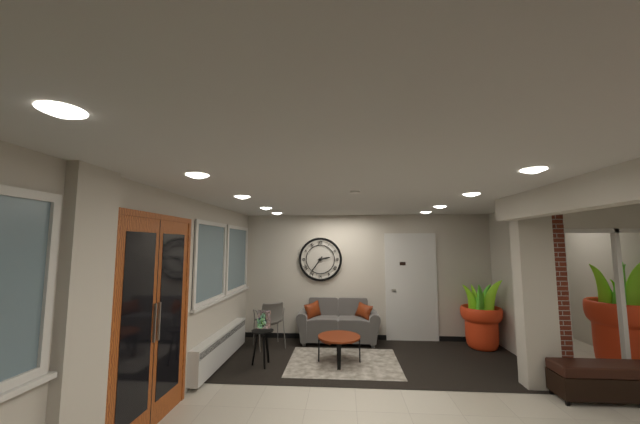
2:36
